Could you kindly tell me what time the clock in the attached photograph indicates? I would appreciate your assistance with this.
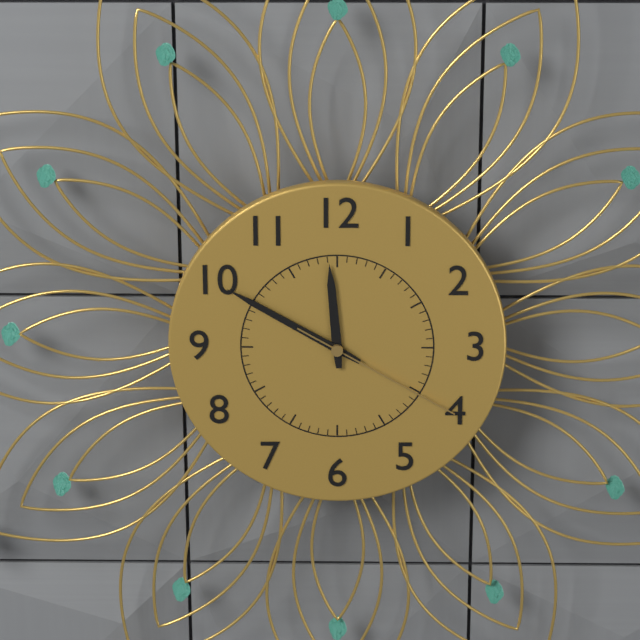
11:50:20
